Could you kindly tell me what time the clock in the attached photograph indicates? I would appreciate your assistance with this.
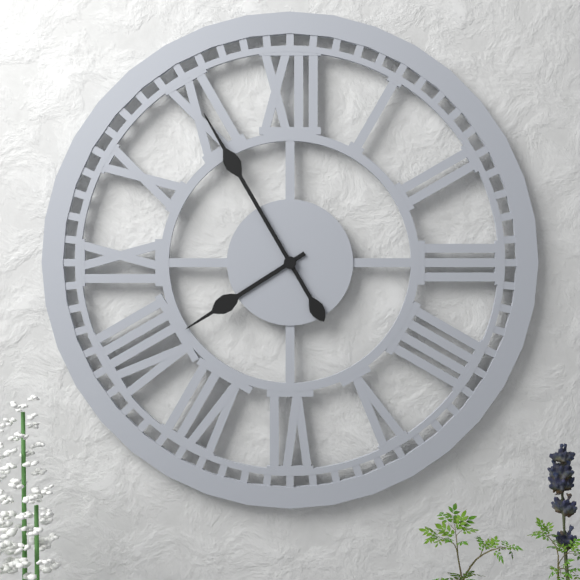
7:55
